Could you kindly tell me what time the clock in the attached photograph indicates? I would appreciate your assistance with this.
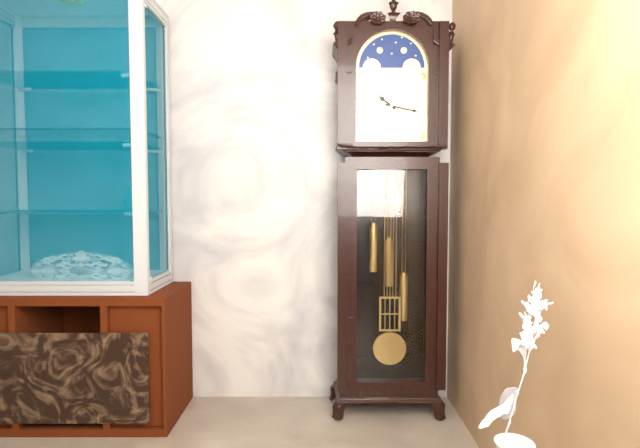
10:17
